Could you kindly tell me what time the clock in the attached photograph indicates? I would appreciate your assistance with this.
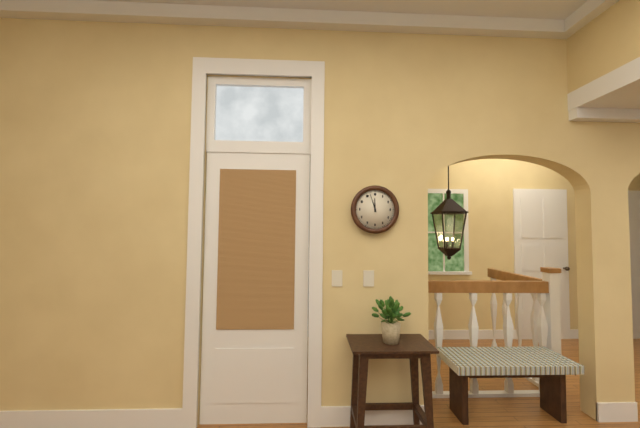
11:57
